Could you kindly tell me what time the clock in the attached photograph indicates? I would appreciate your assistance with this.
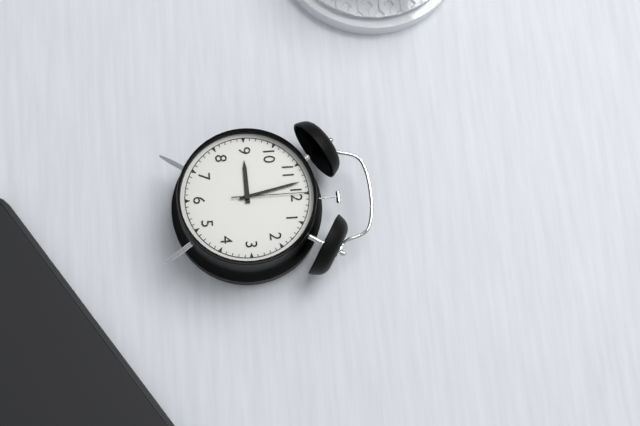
8:58:00
